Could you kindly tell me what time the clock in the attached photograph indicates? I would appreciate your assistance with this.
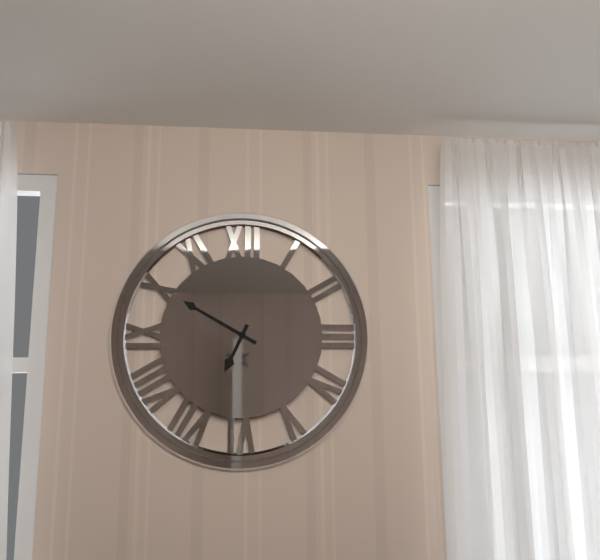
6:50
